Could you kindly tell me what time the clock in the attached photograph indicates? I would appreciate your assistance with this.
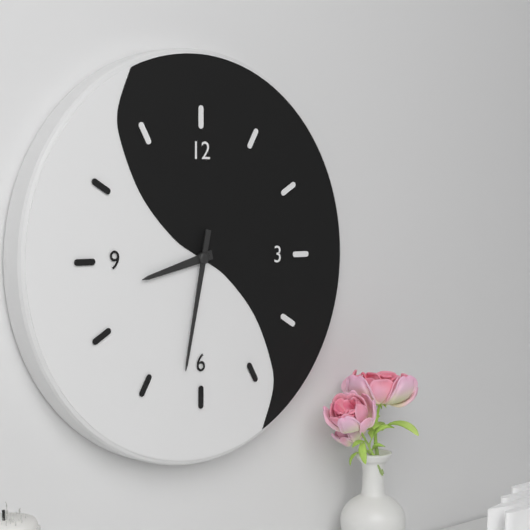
8:32
